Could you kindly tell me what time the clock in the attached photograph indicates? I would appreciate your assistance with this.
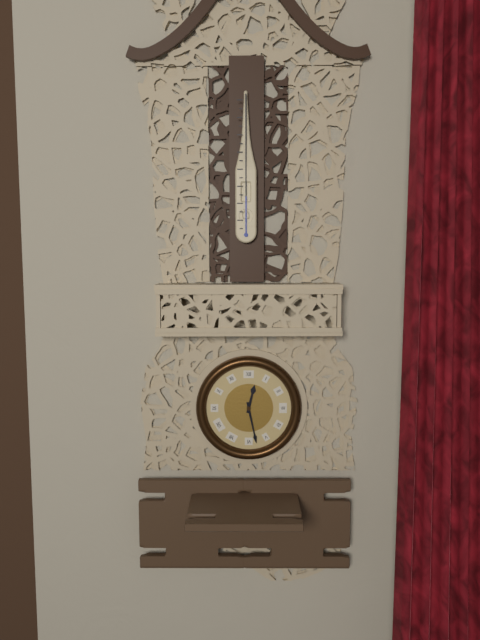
12:28
